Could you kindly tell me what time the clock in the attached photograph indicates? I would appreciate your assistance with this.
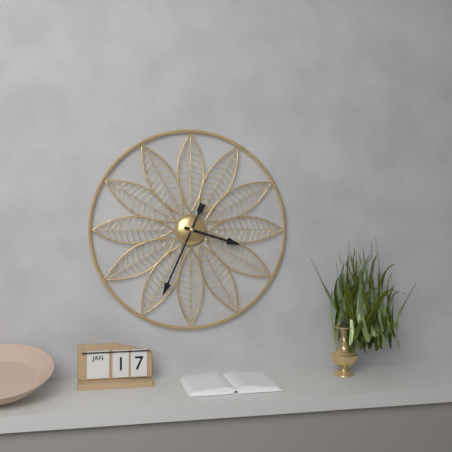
3:34
